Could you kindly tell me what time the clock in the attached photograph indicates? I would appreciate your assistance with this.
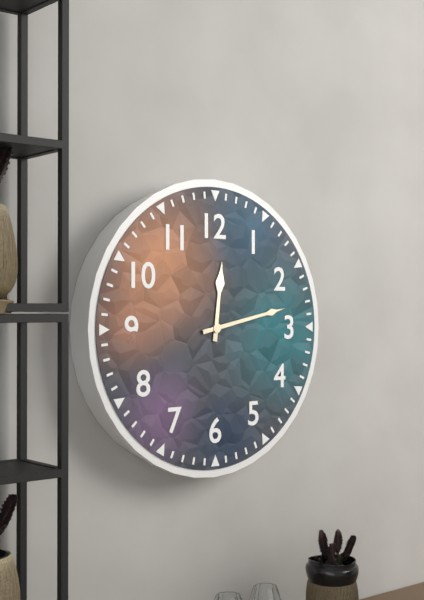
12:13
